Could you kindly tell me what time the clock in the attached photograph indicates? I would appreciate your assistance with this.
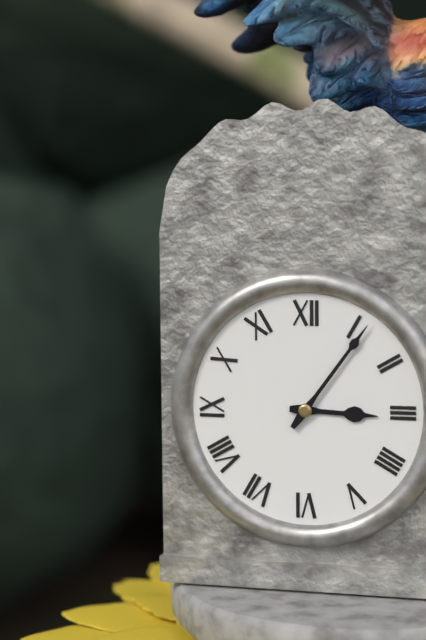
3:06
